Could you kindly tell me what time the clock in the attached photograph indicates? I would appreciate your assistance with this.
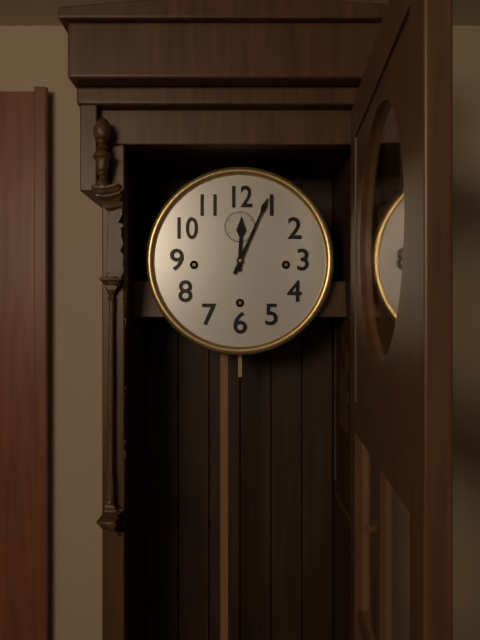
12:04
